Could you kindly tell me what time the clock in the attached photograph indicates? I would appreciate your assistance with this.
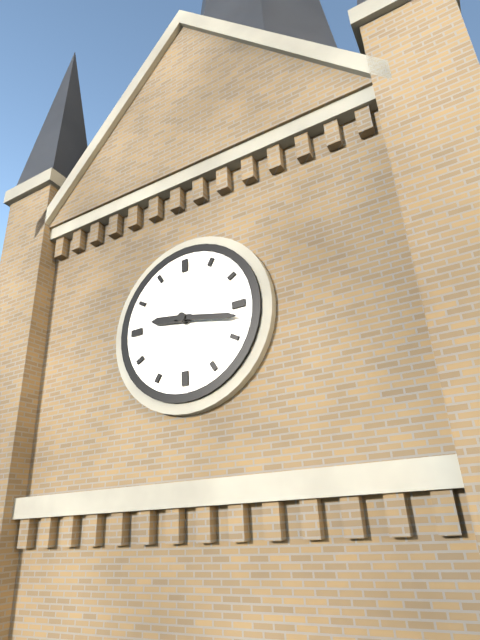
9:17
